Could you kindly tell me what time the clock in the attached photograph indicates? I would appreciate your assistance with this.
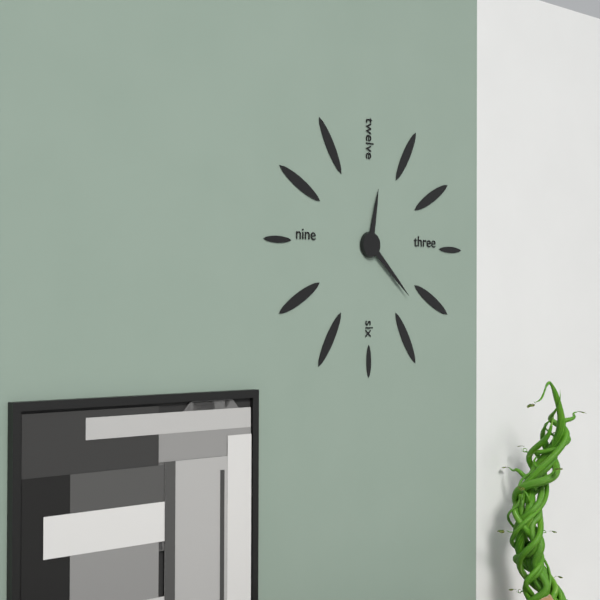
12:22
